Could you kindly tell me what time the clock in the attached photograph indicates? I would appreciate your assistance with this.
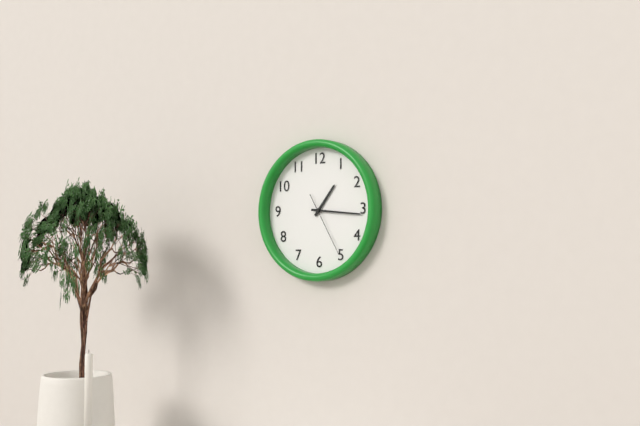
1:16:25
